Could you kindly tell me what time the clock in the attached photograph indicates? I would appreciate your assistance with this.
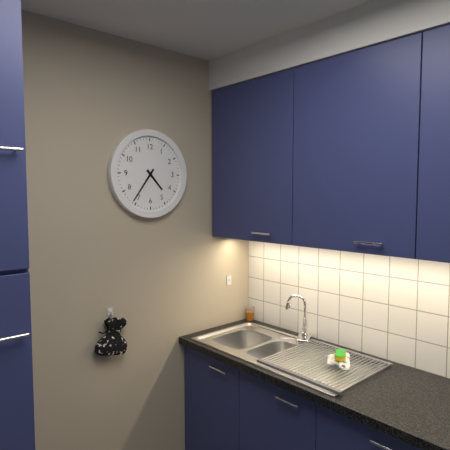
4:36
